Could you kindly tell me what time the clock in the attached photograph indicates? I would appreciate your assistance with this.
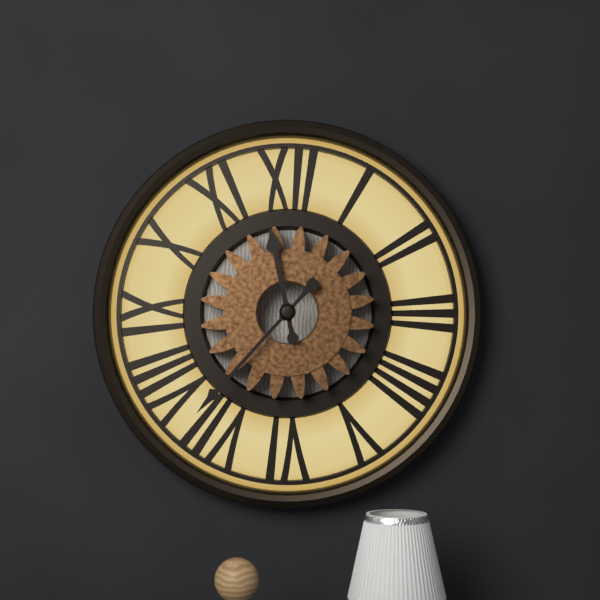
11:37
